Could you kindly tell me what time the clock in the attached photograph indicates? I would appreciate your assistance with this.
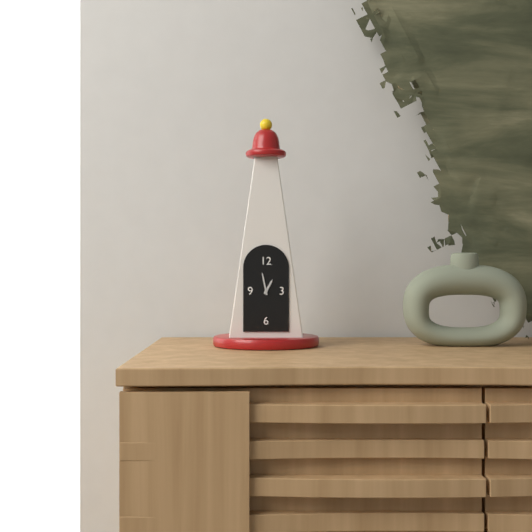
12:58
